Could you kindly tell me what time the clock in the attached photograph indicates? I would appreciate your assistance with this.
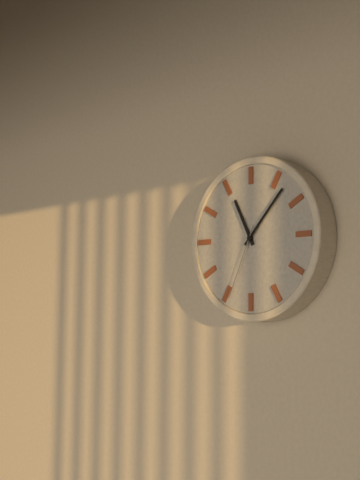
11:07:34
